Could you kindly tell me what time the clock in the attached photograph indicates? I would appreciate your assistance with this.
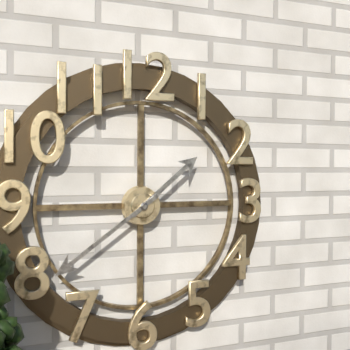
1:39
